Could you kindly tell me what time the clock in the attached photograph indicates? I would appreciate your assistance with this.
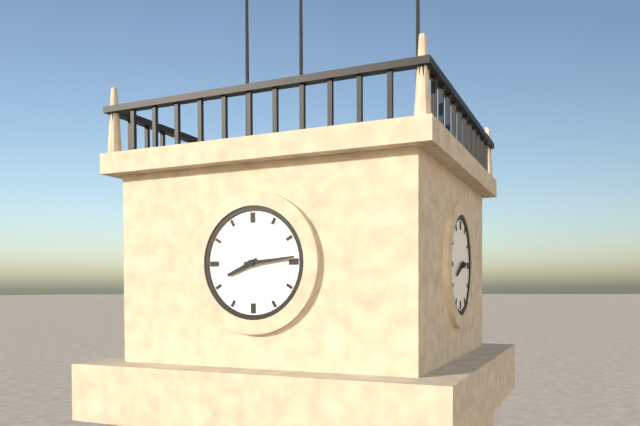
8:14
